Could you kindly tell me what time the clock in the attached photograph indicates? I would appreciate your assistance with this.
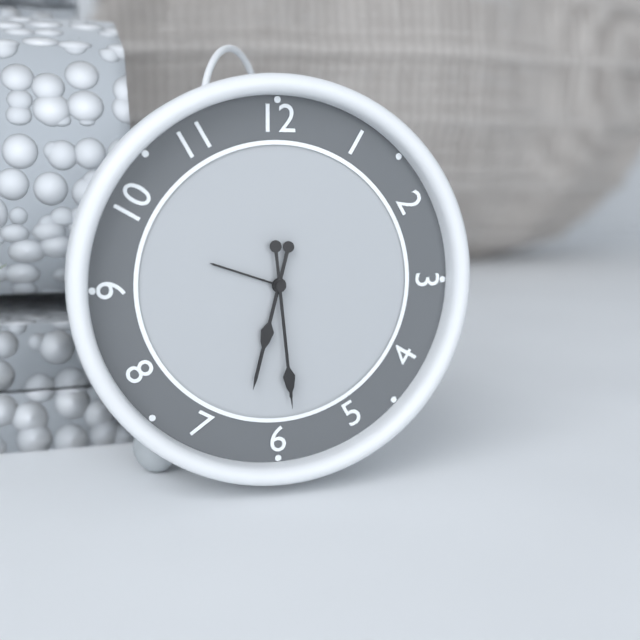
6:29
